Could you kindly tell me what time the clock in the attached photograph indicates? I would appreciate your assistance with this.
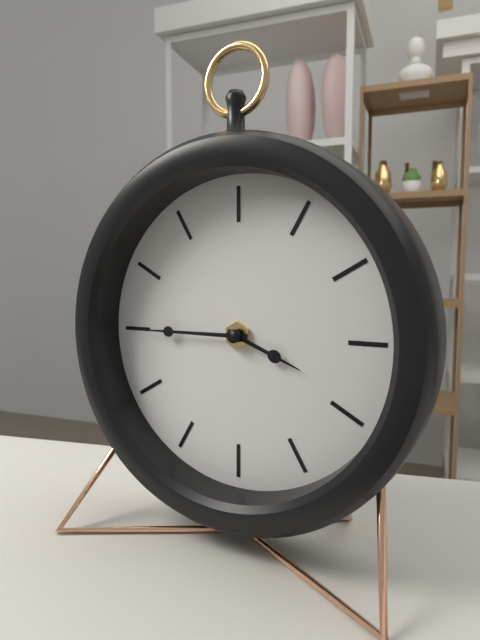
3:45
